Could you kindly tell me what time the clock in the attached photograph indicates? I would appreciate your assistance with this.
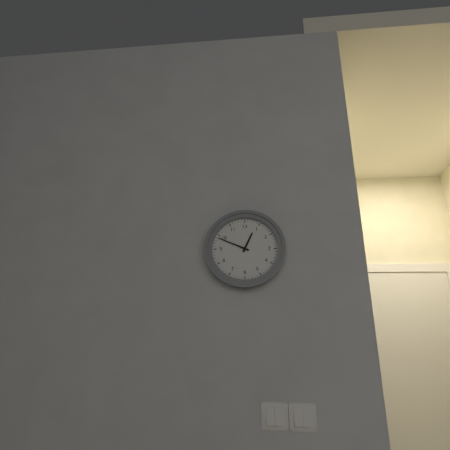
12:49
